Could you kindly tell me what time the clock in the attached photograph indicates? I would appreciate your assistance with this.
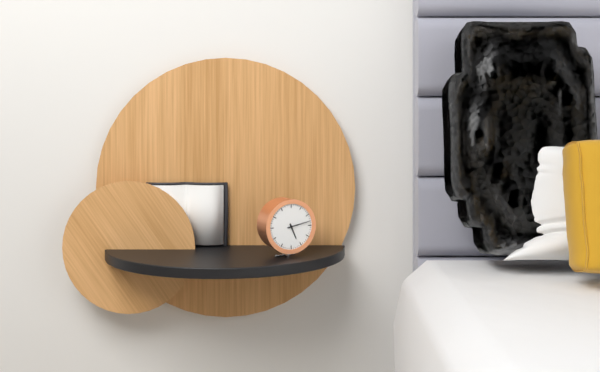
5:13
